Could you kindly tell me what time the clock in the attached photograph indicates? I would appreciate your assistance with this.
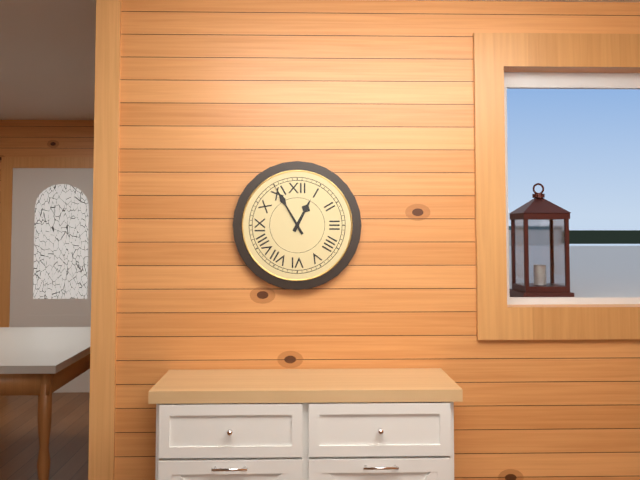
12:55
